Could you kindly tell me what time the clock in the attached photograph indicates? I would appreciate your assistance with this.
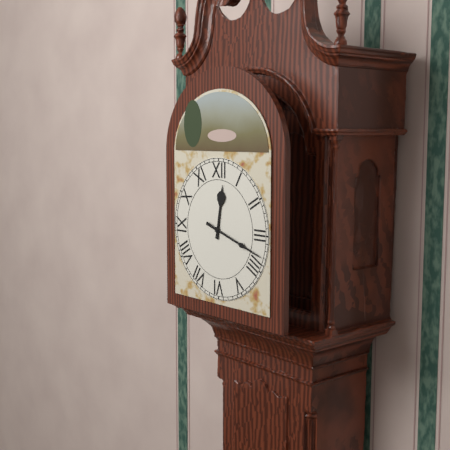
12:18
